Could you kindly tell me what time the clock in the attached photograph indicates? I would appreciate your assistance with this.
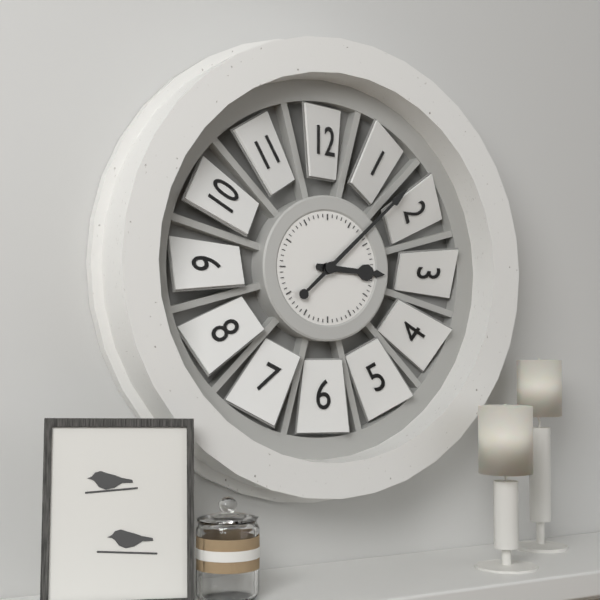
3:08
